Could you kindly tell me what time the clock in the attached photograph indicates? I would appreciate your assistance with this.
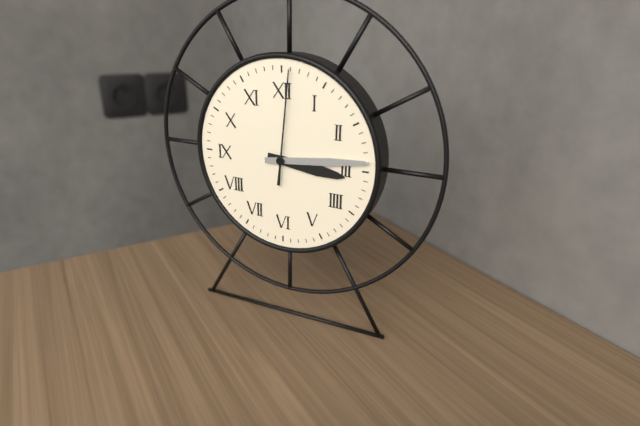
3:14:01
